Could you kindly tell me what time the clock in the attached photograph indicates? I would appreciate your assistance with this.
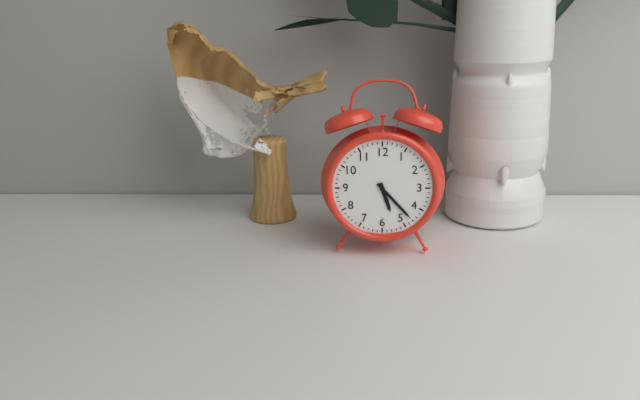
5:23
